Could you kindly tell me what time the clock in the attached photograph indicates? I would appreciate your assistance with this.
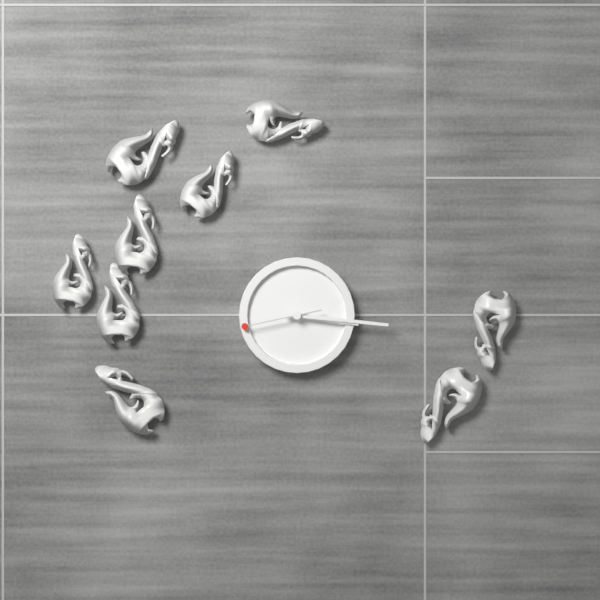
3:16:43
